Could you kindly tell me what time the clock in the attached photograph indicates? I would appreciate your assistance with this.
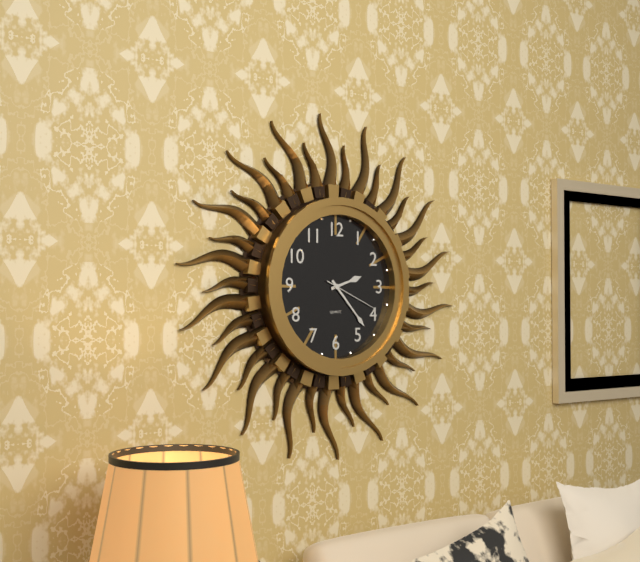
2:23:19
